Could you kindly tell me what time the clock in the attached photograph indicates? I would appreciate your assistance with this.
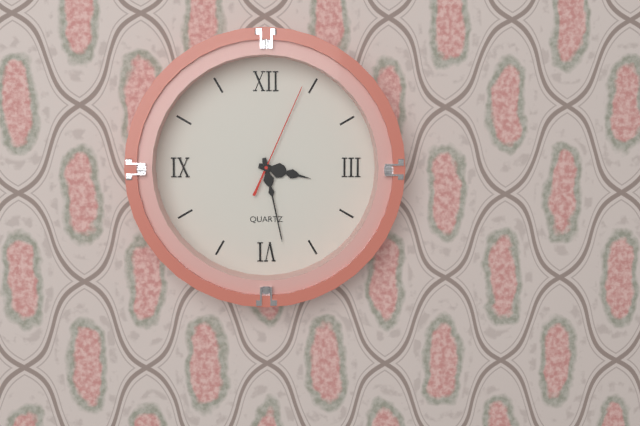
3:28:04
